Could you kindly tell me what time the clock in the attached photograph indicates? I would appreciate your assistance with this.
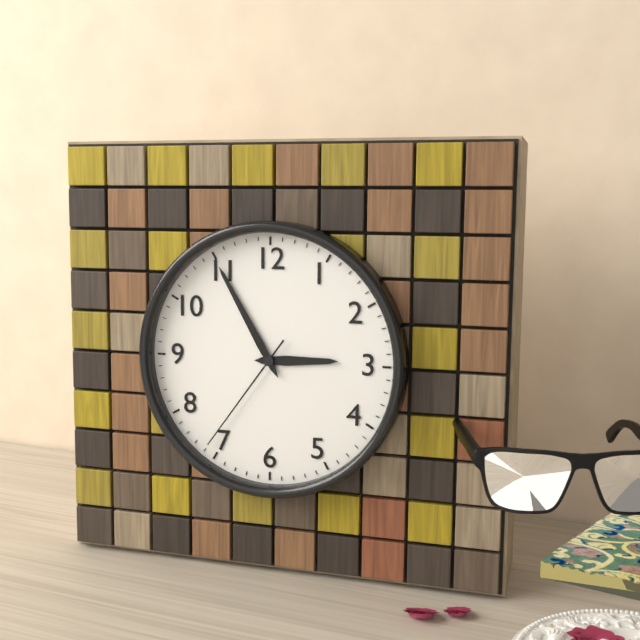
2:55:36
